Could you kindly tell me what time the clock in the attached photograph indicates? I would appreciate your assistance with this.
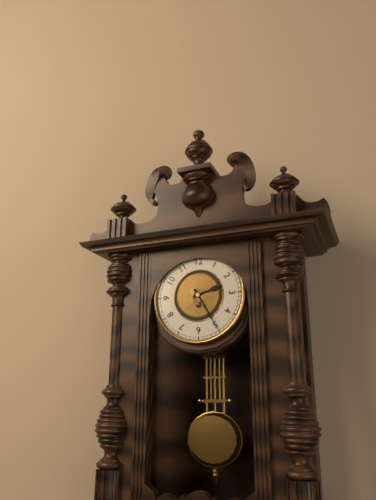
2:25
